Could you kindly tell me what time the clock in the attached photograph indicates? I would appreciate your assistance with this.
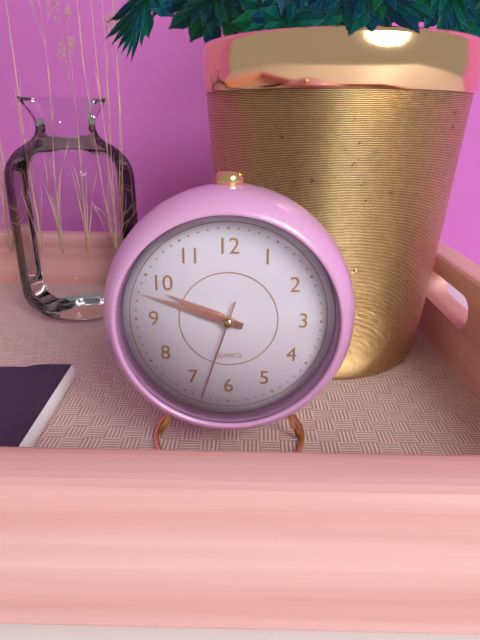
9:48:33
